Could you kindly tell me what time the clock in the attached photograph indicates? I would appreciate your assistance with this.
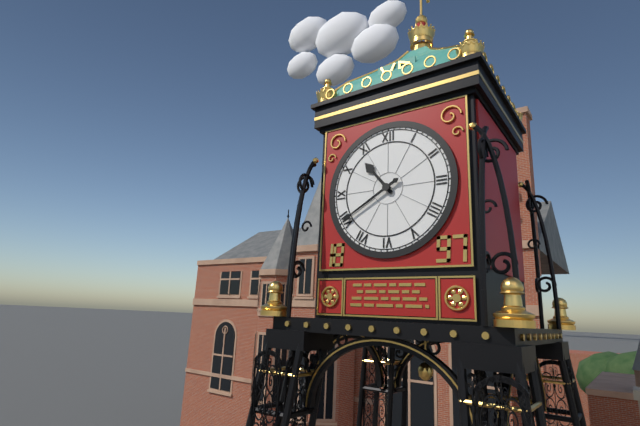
10:40
